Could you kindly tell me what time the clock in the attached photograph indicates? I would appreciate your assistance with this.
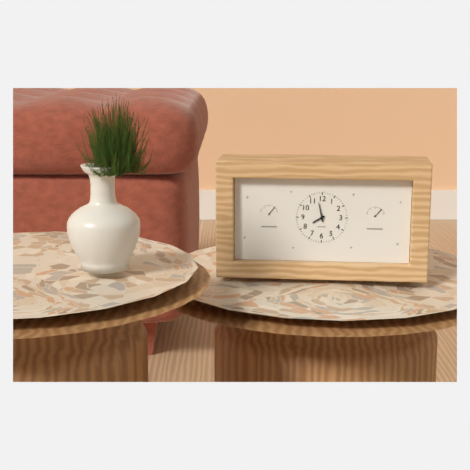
7:58
